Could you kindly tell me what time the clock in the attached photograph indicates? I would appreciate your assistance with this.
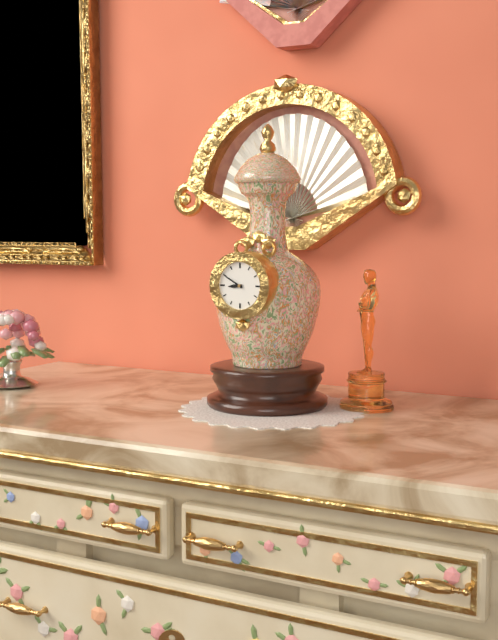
8:50
